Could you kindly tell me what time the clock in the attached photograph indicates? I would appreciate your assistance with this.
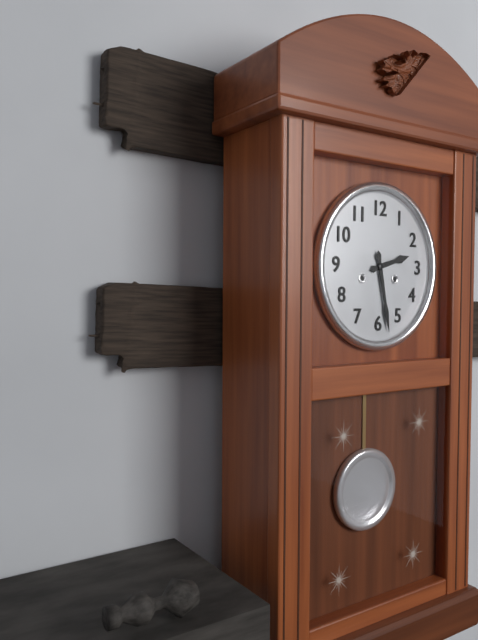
2:28
